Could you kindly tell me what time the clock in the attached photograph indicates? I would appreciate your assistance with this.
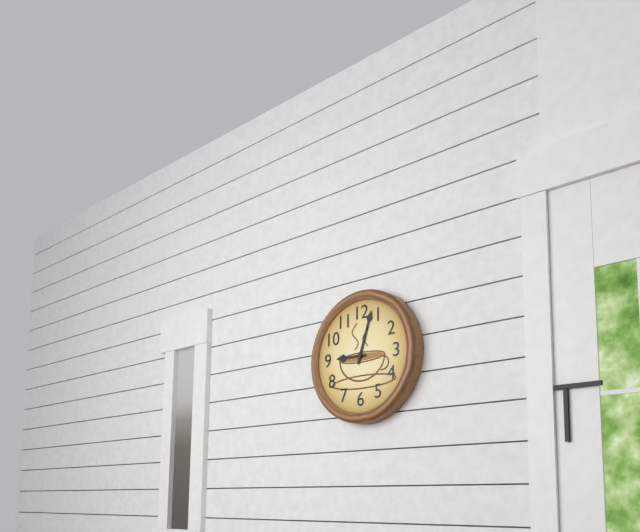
9:03
